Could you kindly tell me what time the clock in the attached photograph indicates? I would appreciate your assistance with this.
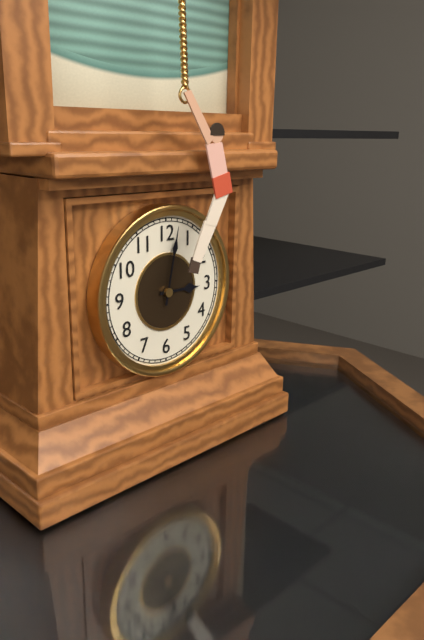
3:02
